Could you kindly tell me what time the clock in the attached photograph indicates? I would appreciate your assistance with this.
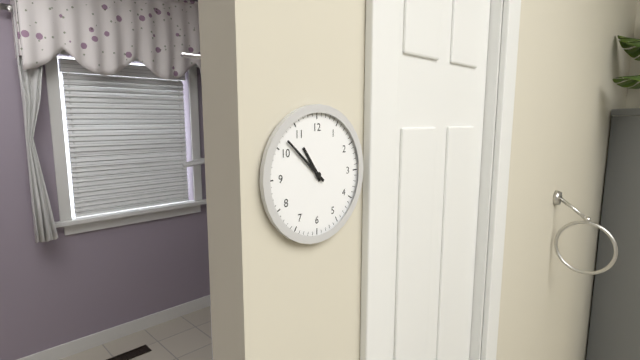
10:52
